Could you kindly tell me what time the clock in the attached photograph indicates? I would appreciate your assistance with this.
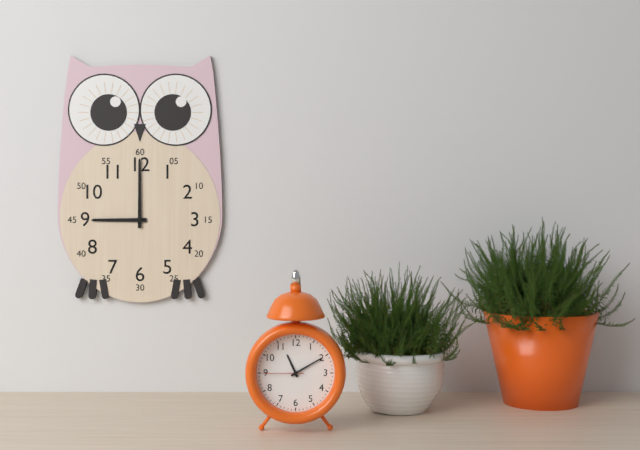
9:00
